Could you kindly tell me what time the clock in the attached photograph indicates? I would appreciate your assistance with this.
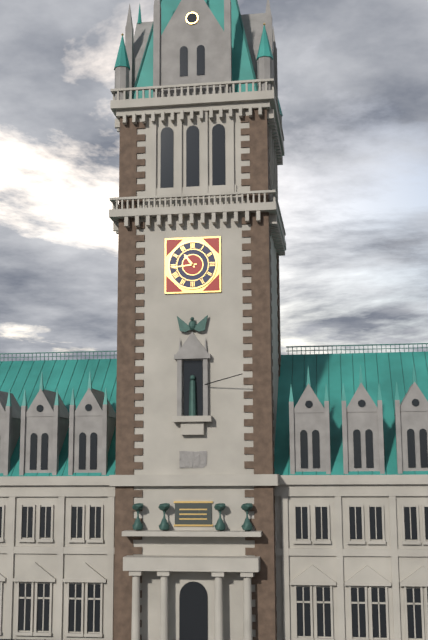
10:44
